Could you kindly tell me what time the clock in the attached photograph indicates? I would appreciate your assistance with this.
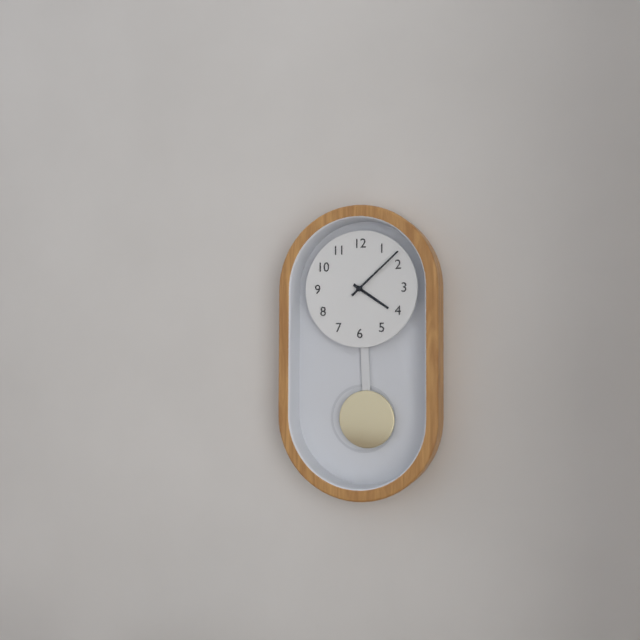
4:08
